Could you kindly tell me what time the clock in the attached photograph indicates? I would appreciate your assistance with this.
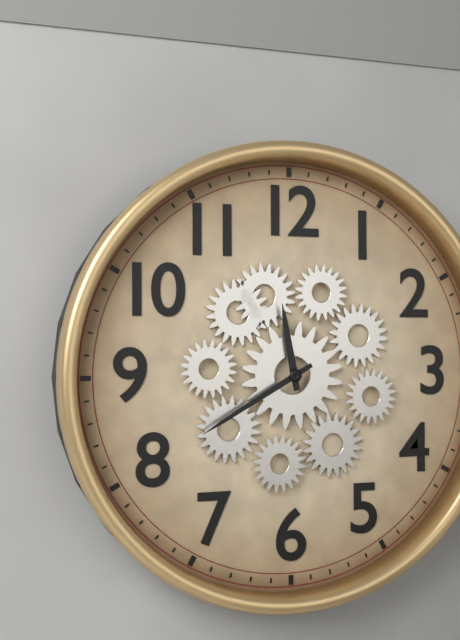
11:40
